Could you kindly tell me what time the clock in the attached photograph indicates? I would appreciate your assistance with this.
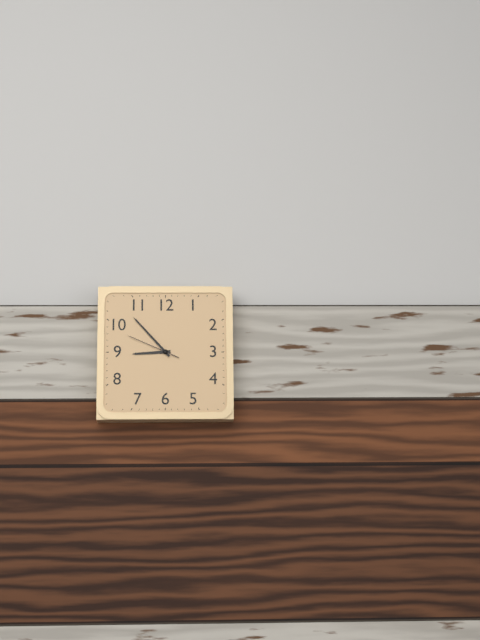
8:53:49
